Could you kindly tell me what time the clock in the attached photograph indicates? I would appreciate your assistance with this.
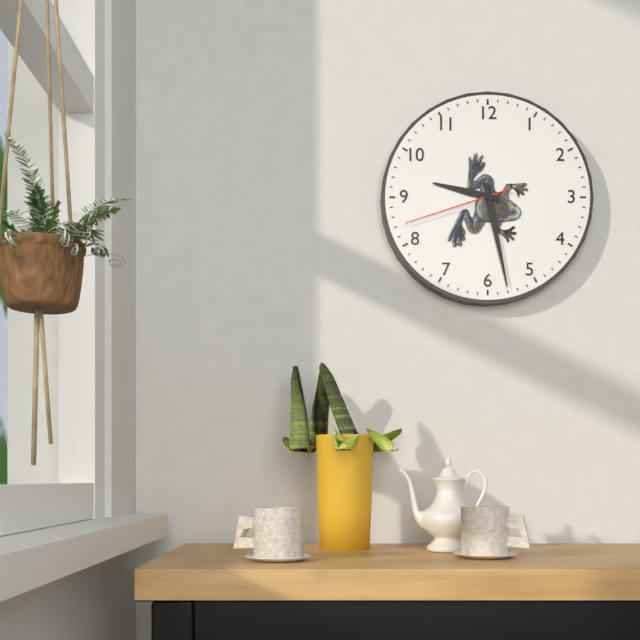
9:28:42
